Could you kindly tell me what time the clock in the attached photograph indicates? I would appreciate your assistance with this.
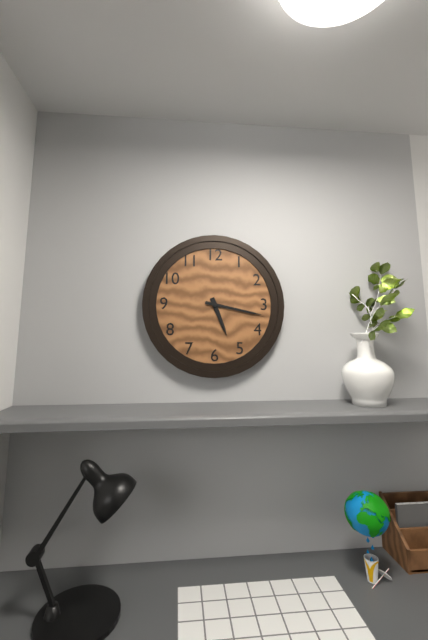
5:17
